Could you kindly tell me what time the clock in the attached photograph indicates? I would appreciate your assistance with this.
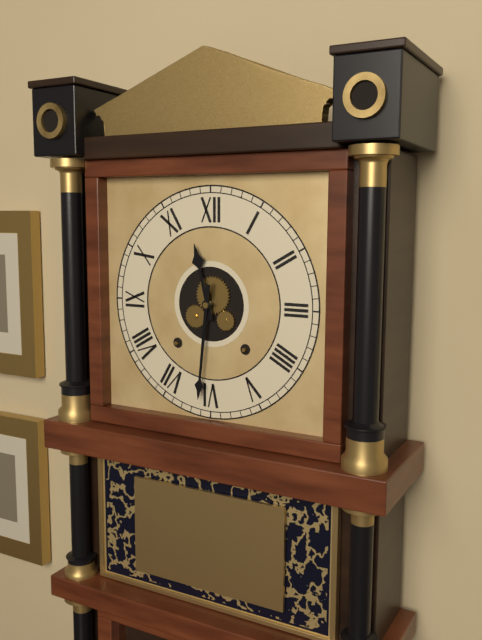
11:31
